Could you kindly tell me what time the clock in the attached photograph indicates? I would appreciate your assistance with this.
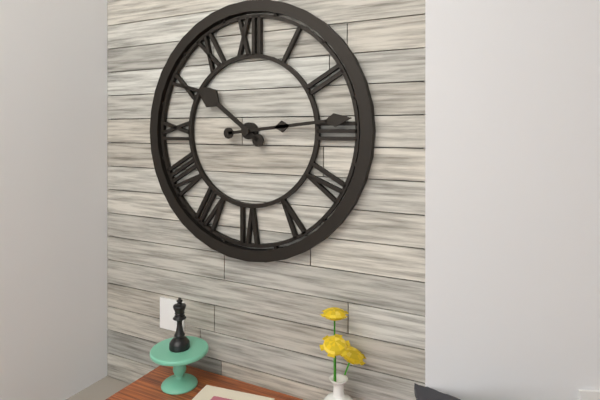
10:14
